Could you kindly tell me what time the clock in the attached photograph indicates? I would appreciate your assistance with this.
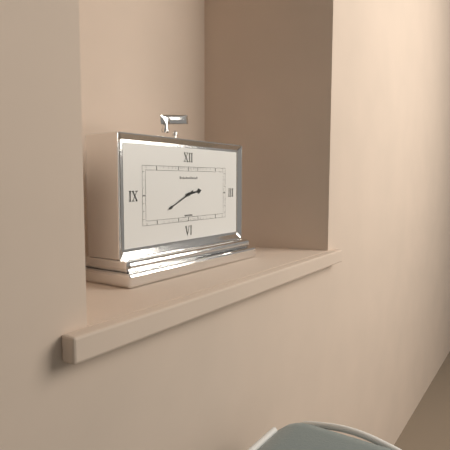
2:41
